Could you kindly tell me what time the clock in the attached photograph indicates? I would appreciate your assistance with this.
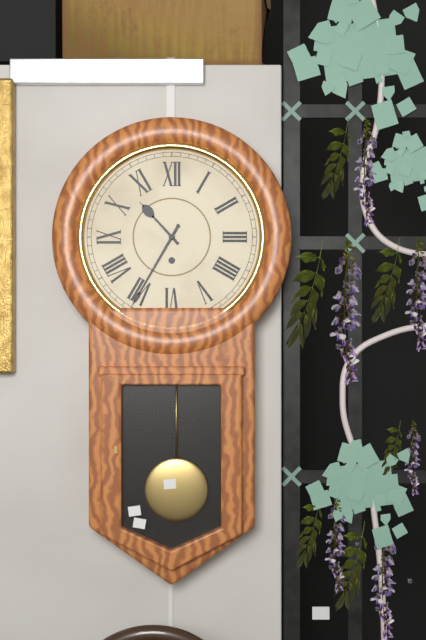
10:35
